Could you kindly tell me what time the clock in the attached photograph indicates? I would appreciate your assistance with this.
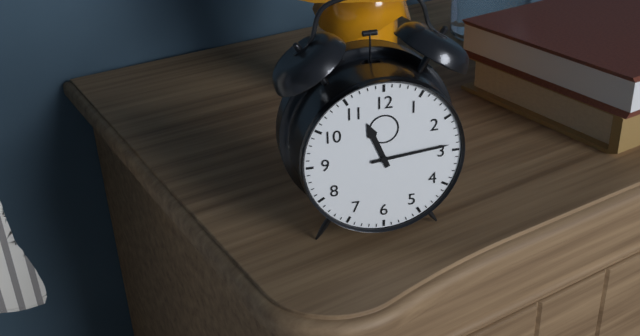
11:14
